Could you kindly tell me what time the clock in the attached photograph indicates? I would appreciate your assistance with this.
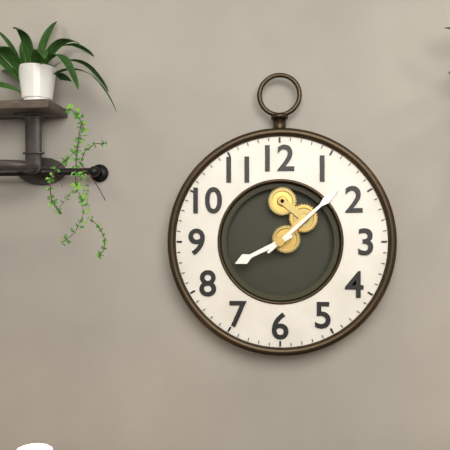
8:08
